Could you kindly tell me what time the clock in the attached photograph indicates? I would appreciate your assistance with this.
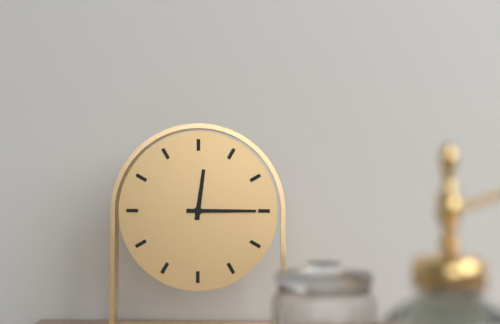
12:15
